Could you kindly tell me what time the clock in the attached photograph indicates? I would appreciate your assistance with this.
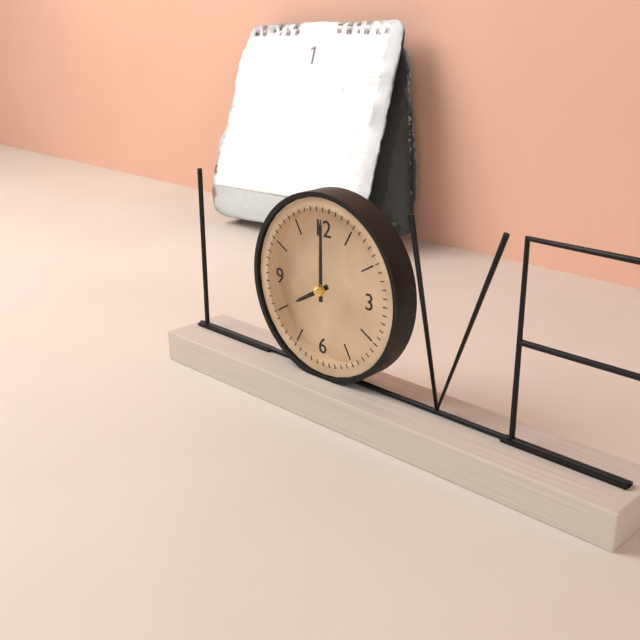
8:00
